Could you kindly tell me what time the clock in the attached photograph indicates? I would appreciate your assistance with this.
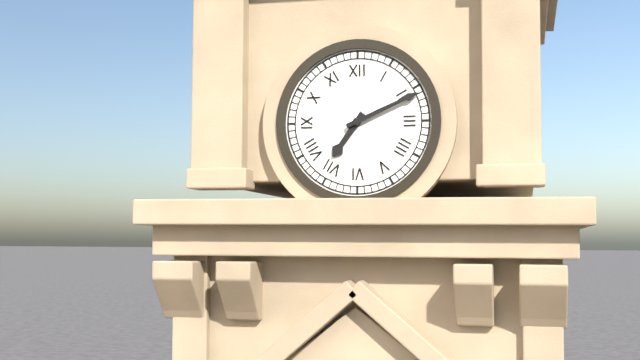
7:11
